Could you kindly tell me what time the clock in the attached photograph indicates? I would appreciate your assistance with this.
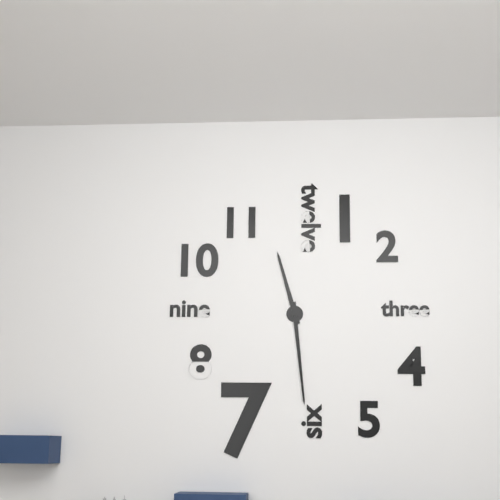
11:29
